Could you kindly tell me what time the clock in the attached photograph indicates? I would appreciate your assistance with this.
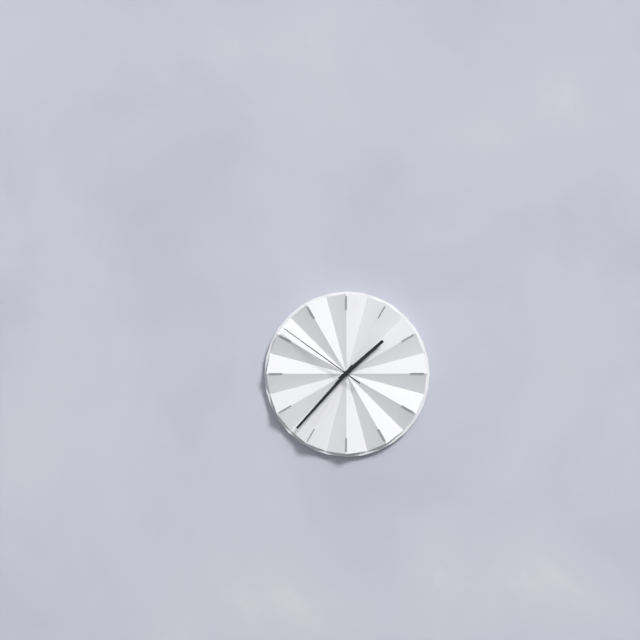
1:37:51
